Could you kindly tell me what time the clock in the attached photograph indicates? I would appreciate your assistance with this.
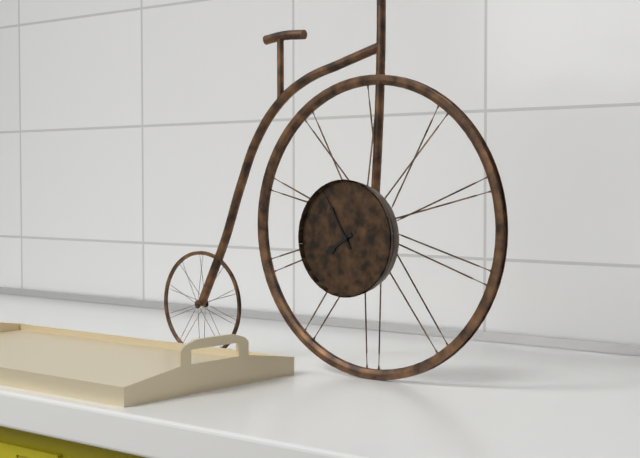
7:55
